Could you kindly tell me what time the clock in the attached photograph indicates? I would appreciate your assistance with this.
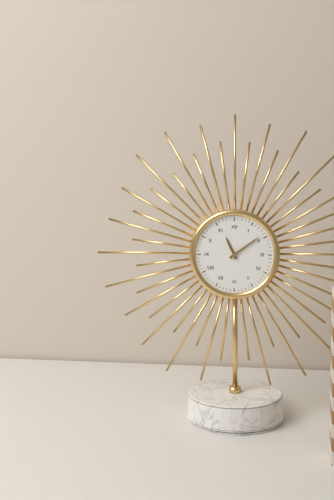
11:09
